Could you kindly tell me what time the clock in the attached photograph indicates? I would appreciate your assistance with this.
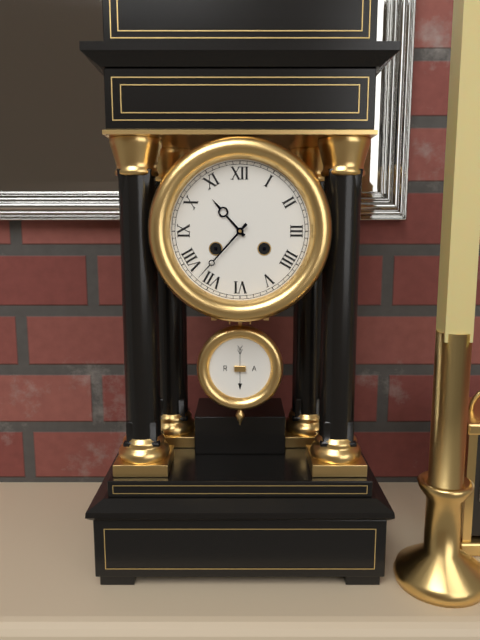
10:37
